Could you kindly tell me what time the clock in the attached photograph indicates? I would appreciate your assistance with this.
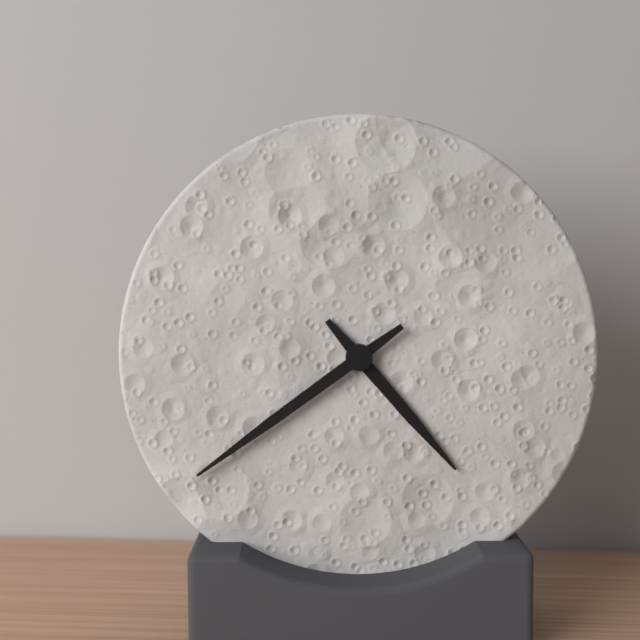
4:39
